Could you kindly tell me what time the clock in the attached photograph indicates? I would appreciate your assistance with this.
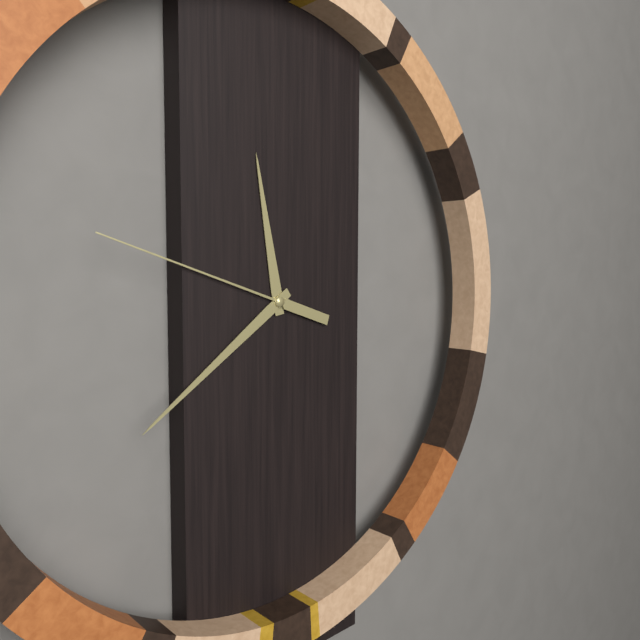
11:39:48
